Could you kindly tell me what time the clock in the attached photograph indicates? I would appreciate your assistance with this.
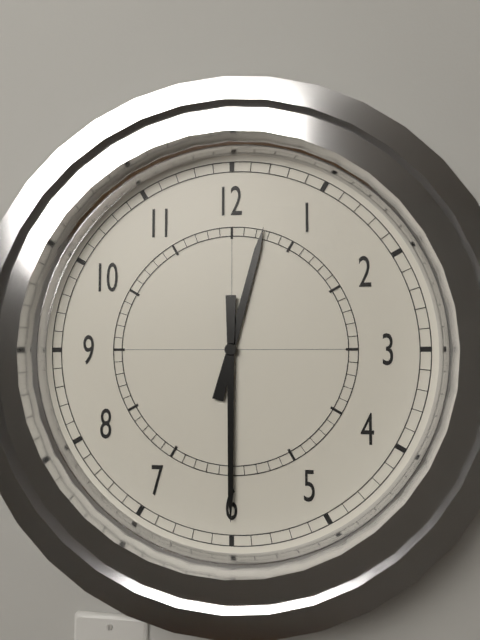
12:30
